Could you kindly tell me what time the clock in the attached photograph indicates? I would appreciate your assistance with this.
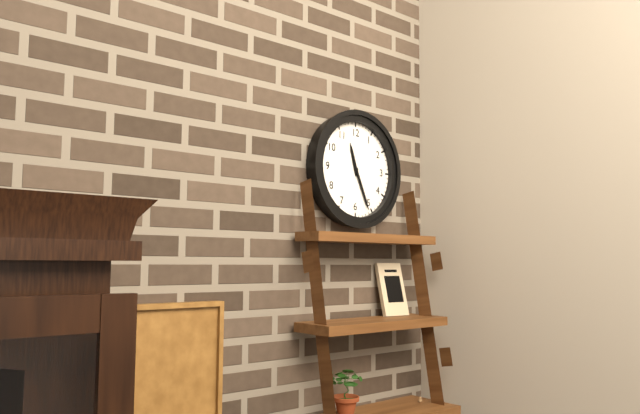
11:26
